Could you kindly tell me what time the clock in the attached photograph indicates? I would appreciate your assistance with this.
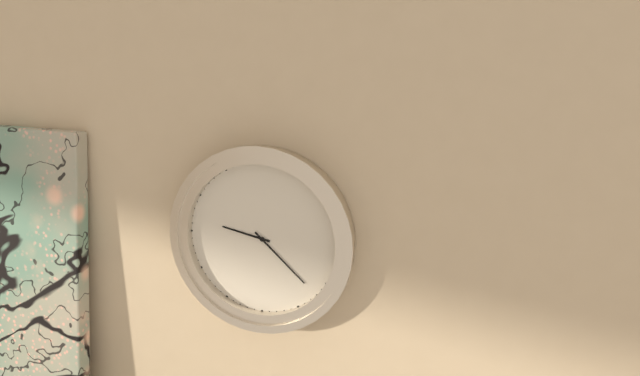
9:22
